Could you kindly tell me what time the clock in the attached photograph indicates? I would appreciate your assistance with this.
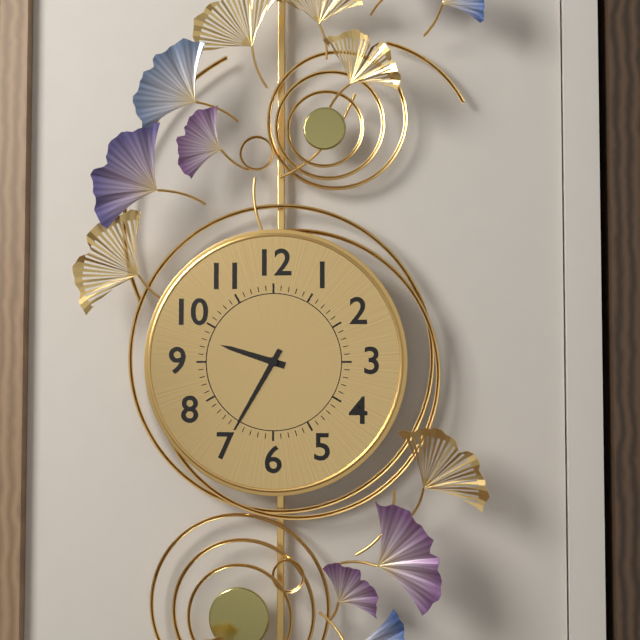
9:35
